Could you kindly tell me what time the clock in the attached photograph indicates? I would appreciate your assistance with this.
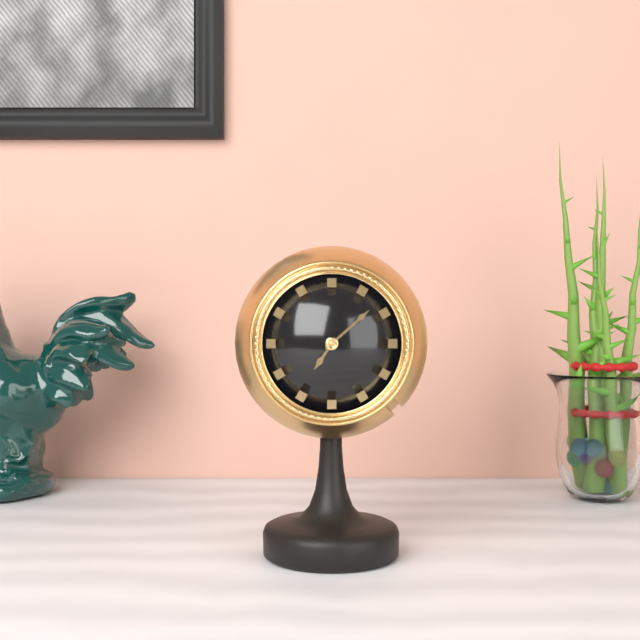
7:08
